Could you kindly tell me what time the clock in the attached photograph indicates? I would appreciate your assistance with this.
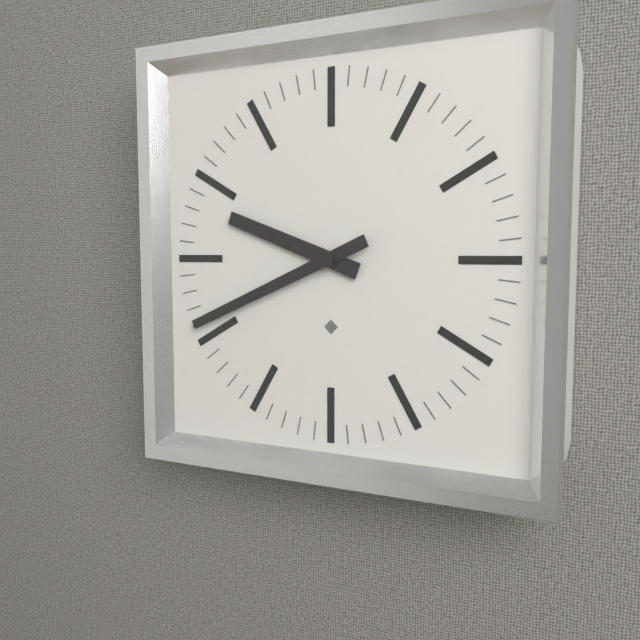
9:41
